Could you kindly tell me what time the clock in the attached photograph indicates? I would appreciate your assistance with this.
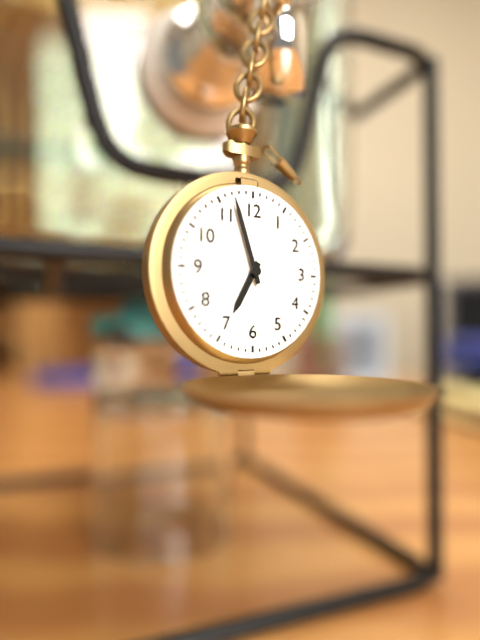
6:57
